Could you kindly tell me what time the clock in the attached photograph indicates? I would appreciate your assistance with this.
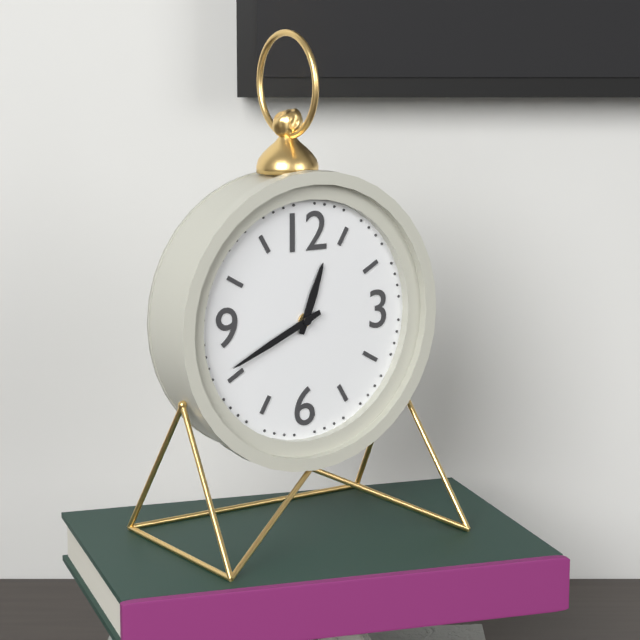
12:41
